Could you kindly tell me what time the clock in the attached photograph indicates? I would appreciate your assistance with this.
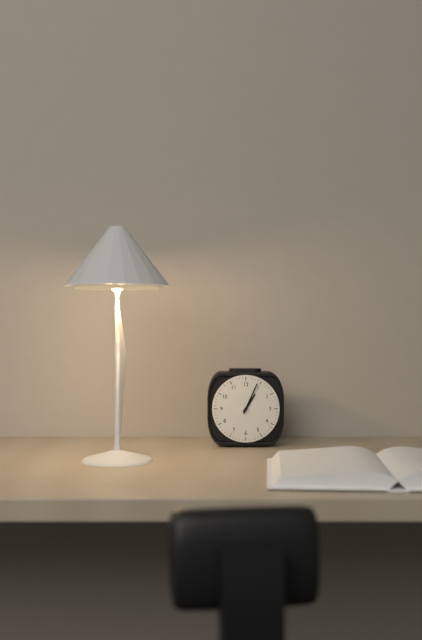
1:04
